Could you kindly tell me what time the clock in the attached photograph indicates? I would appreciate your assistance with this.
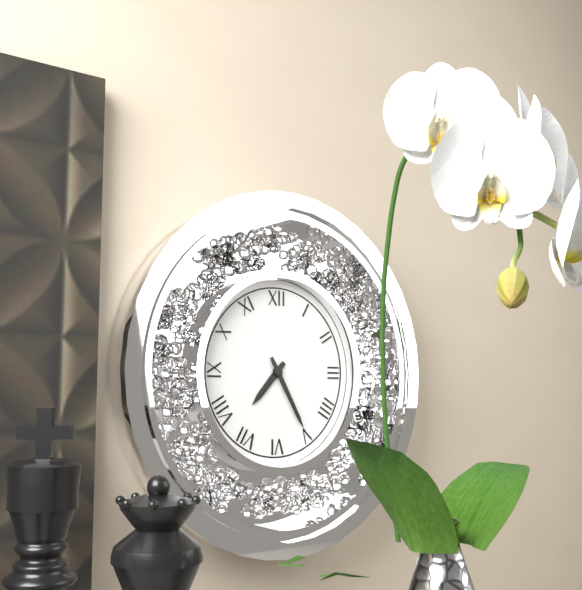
7:25
